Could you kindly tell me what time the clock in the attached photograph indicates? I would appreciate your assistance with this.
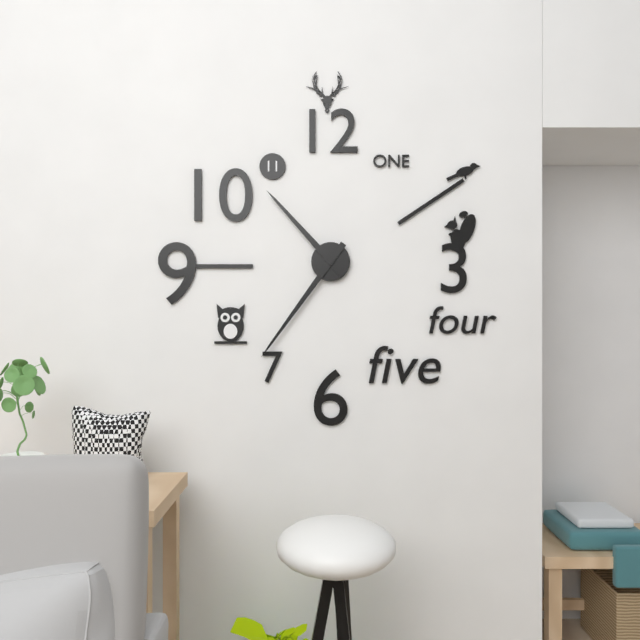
10:36
